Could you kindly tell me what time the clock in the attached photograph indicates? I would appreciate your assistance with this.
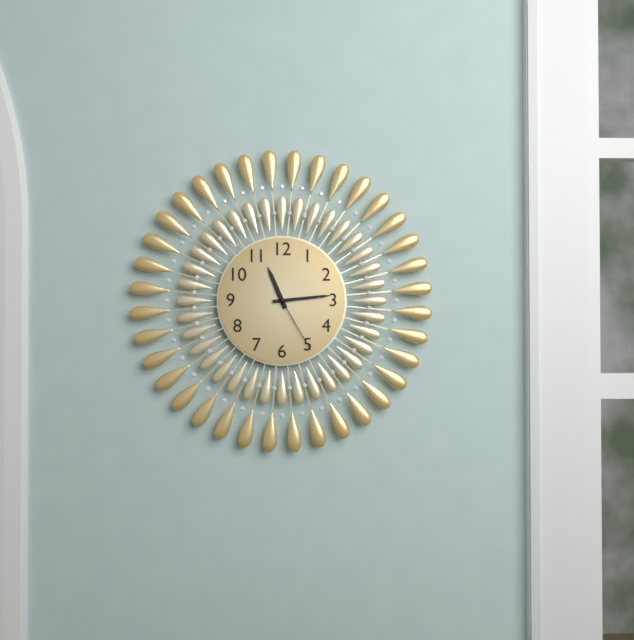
11:14:25
